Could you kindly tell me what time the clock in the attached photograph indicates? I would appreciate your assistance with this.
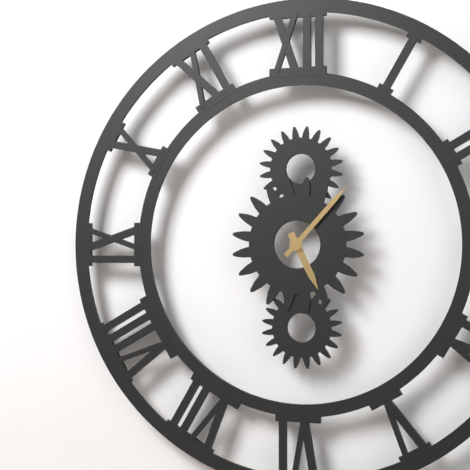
5:07
